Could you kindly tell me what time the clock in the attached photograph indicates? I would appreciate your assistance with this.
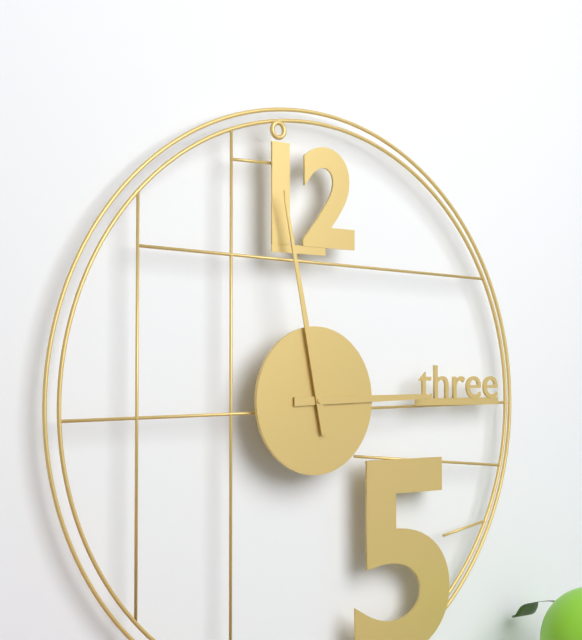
2:58
